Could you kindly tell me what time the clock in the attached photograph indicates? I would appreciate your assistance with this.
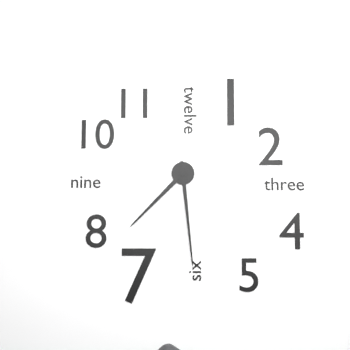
7:29
